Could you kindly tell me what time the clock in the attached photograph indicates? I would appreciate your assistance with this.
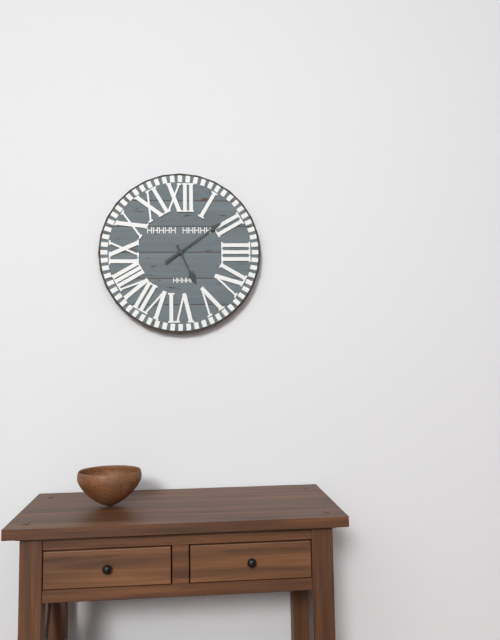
5:09
